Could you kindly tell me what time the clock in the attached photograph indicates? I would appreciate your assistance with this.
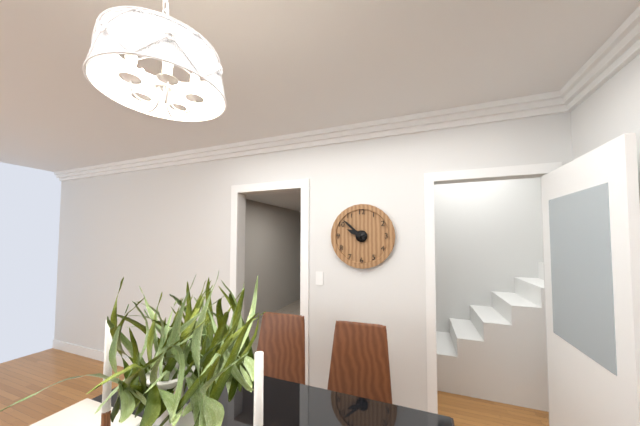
9:52
